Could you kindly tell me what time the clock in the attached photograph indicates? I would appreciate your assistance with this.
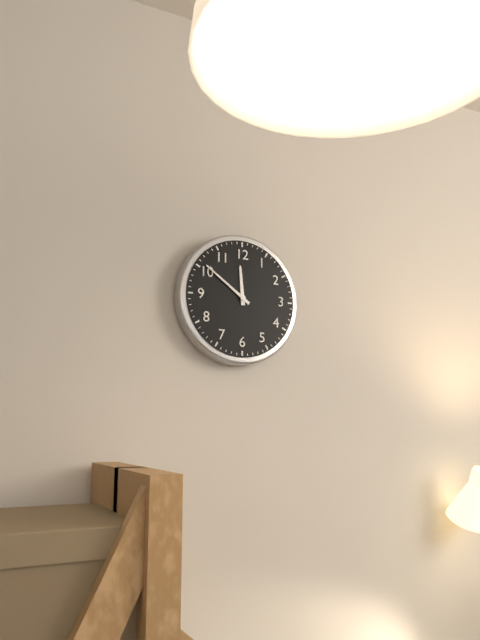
11:51
